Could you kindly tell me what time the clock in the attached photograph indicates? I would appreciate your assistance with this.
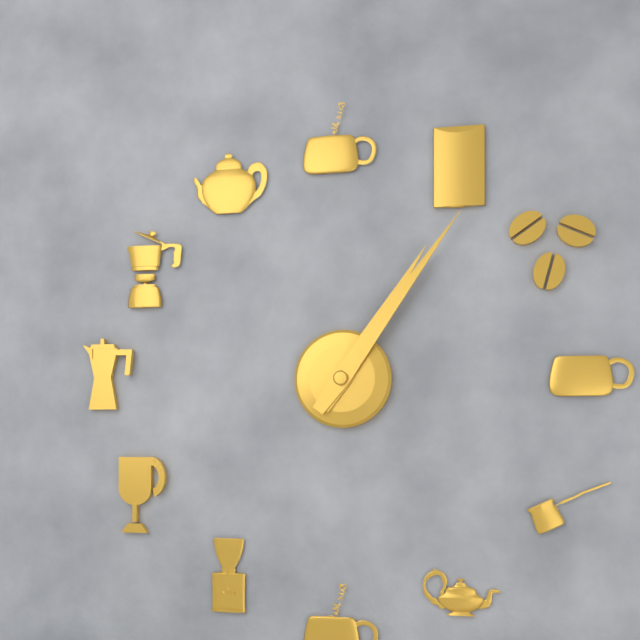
1:06
